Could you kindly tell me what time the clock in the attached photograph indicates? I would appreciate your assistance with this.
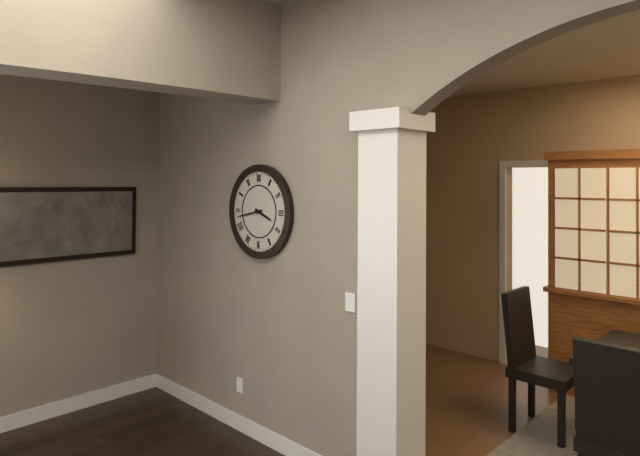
3:43
